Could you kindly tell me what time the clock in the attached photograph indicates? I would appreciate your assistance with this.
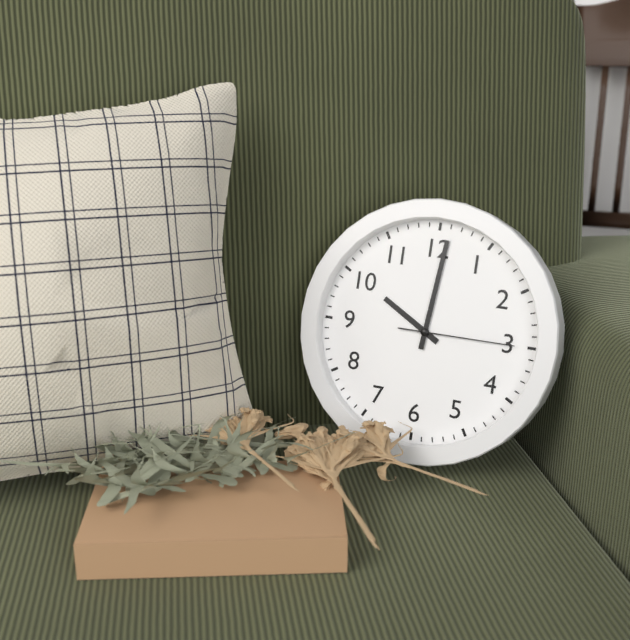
10:01:15
